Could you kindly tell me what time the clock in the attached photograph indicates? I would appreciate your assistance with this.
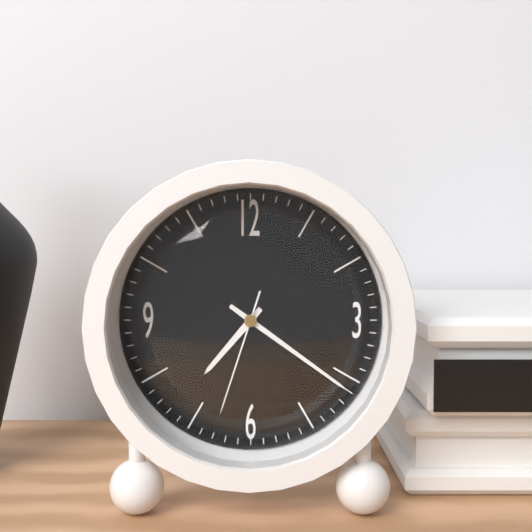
7:21:33
